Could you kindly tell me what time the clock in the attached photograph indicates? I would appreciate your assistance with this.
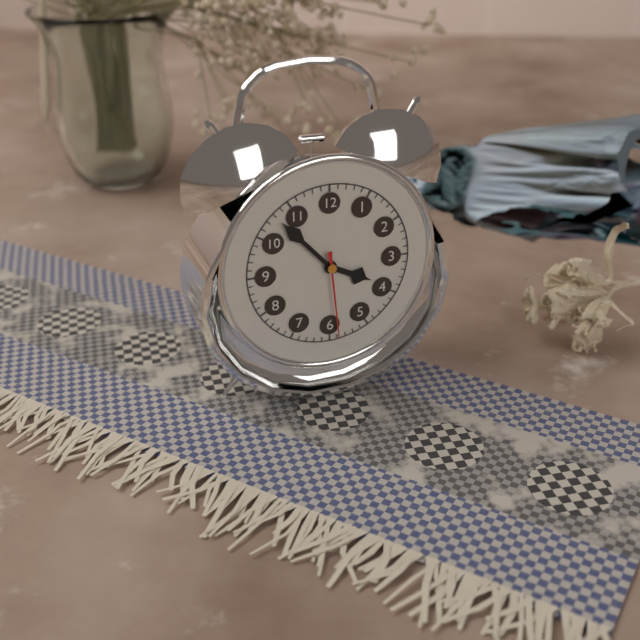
3:53:29
